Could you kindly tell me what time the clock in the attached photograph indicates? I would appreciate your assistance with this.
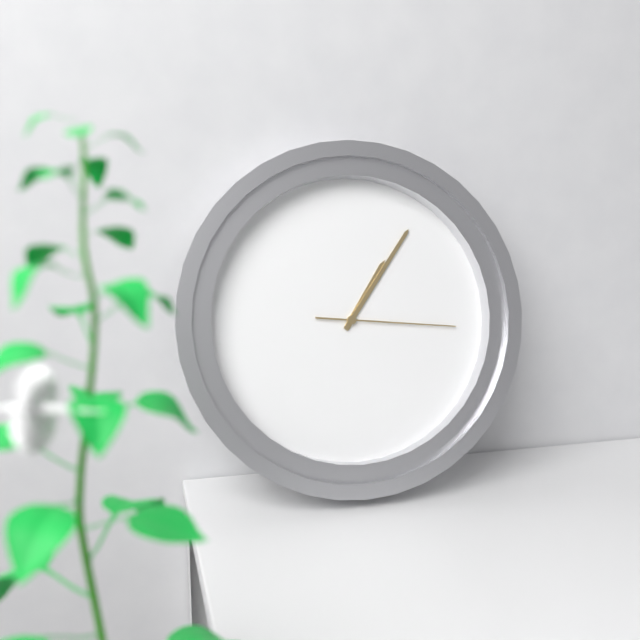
1:06:16
